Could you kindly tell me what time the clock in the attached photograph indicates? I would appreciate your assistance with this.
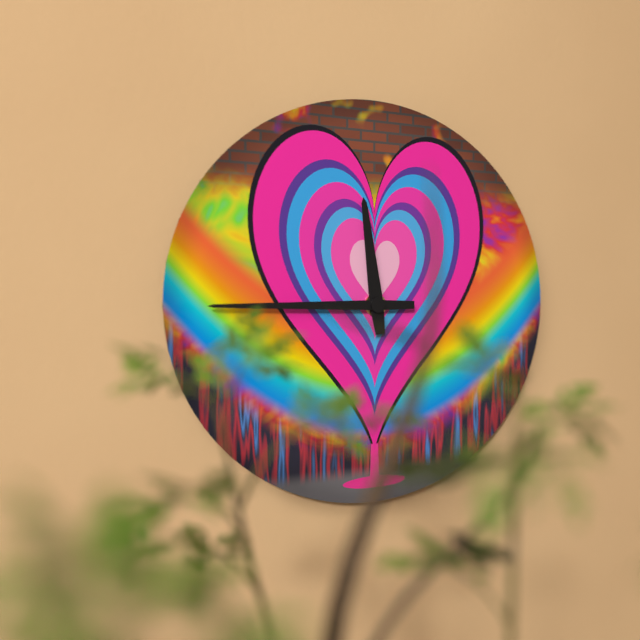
11:45
